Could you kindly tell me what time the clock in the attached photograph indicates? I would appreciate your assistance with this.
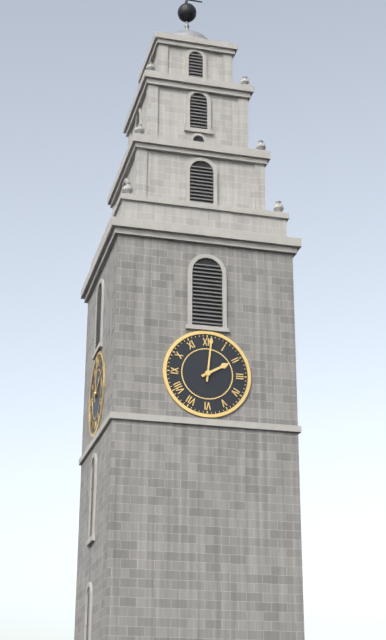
2:01
